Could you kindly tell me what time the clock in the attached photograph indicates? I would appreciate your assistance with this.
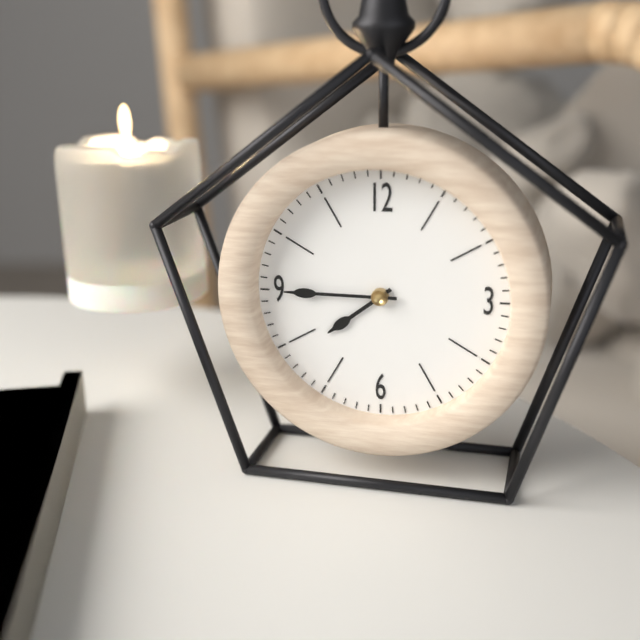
7:45
